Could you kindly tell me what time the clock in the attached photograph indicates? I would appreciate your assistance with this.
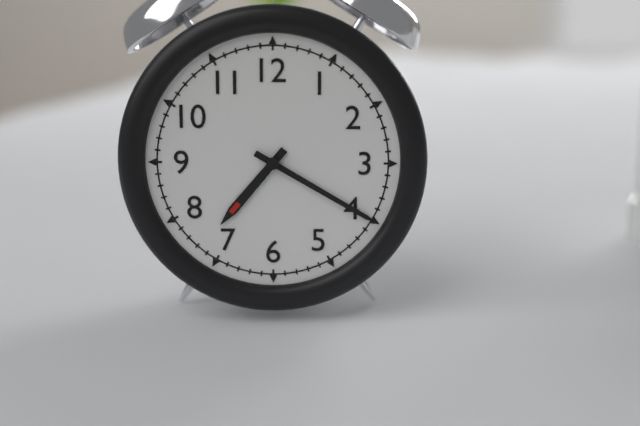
7:20
